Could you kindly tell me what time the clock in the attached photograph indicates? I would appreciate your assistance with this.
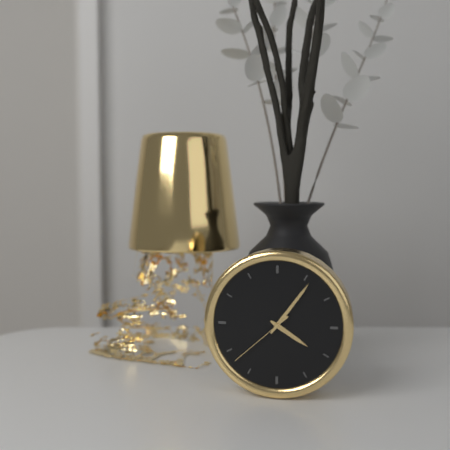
4:06:38
